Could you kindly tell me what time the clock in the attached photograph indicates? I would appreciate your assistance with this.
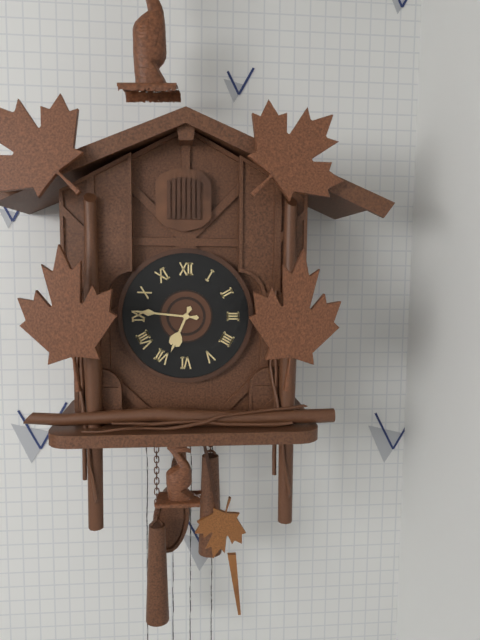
6:46
